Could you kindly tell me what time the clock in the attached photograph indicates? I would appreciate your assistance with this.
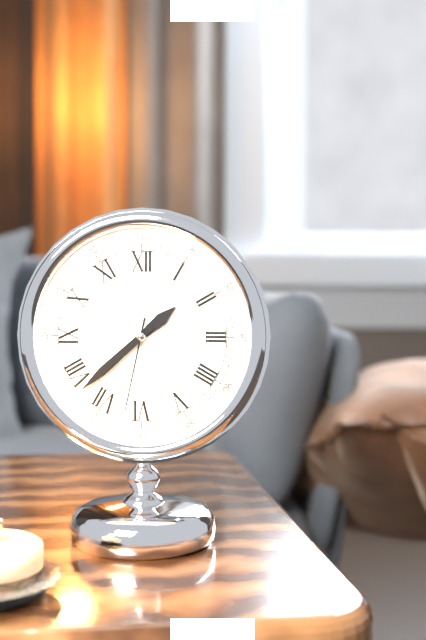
1:38:32
